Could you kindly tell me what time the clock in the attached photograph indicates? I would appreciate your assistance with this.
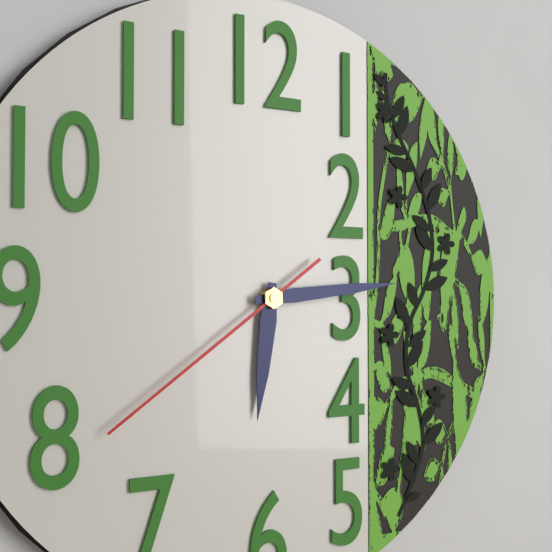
6:14:39
